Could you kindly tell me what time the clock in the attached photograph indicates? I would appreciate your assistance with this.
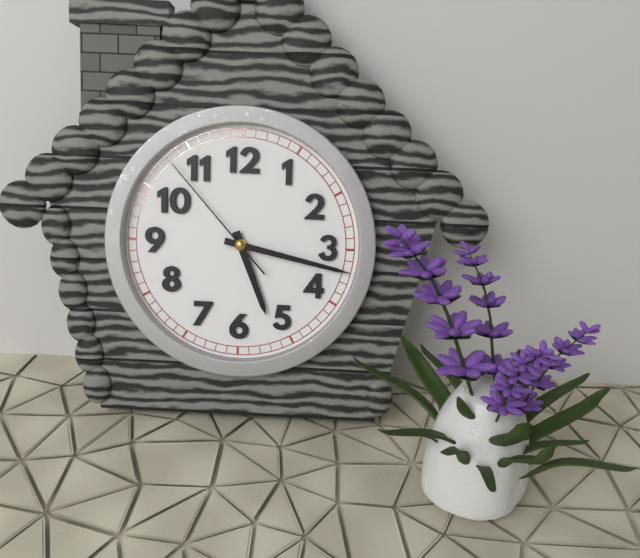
5:17:53
